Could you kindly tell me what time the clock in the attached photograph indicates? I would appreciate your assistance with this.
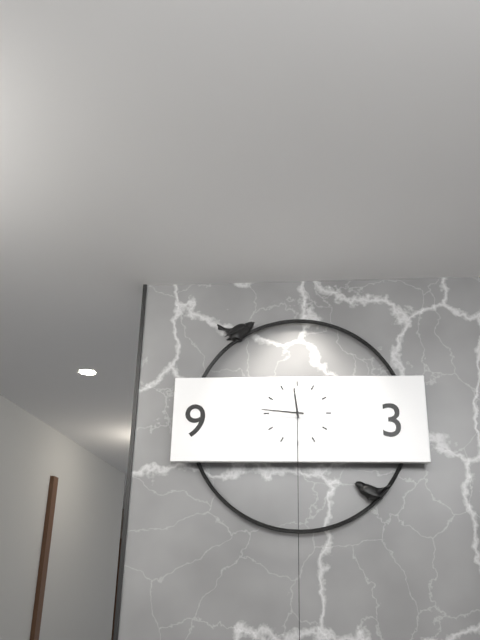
11:46
